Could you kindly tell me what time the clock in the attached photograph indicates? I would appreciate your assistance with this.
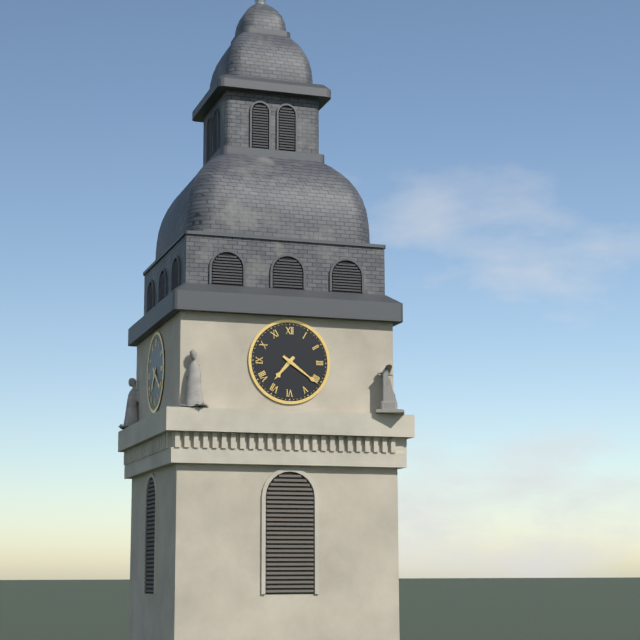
7:21
